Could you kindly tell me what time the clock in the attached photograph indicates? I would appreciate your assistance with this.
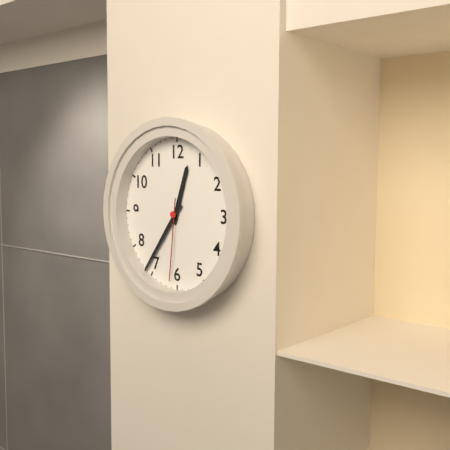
12:36:31
